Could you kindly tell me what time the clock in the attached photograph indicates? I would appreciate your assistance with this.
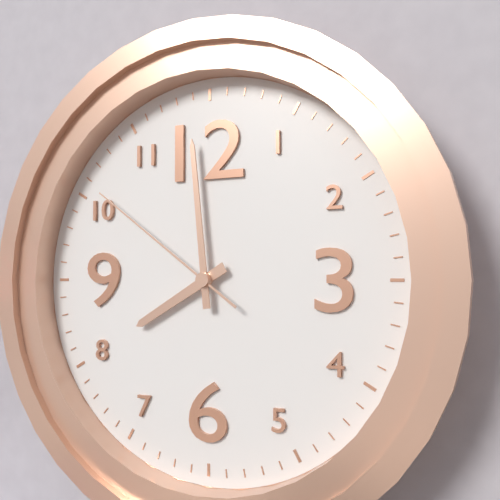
7:59:51
